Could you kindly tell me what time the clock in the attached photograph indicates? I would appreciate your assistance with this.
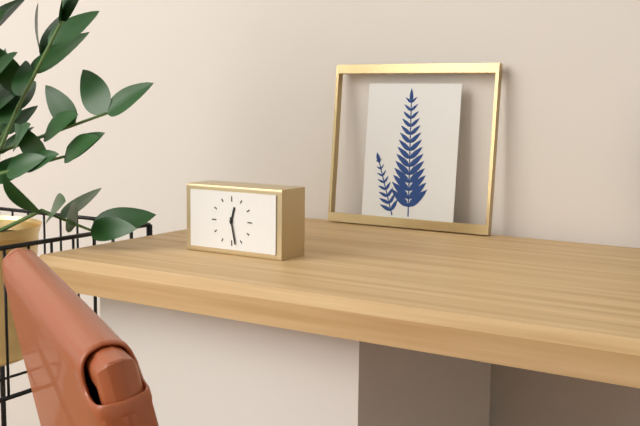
12:28
